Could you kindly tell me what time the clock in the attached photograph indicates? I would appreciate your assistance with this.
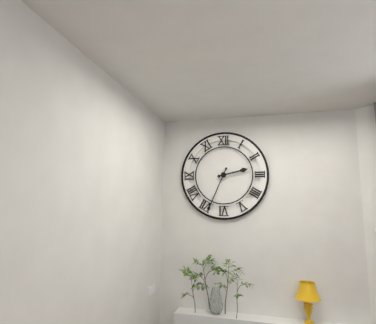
2:34
